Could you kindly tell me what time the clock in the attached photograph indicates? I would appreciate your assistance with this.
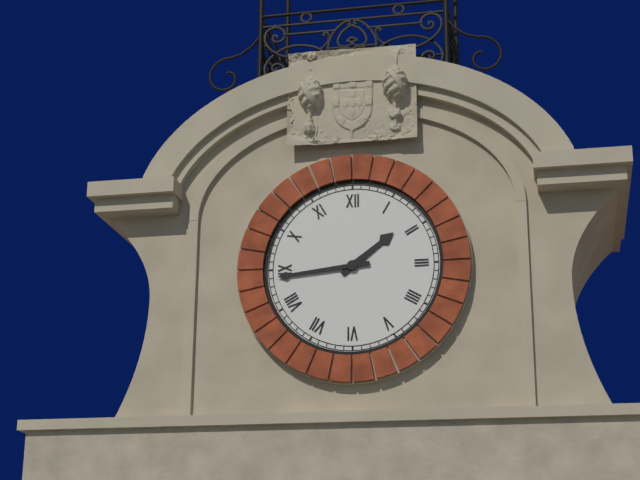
1:44
